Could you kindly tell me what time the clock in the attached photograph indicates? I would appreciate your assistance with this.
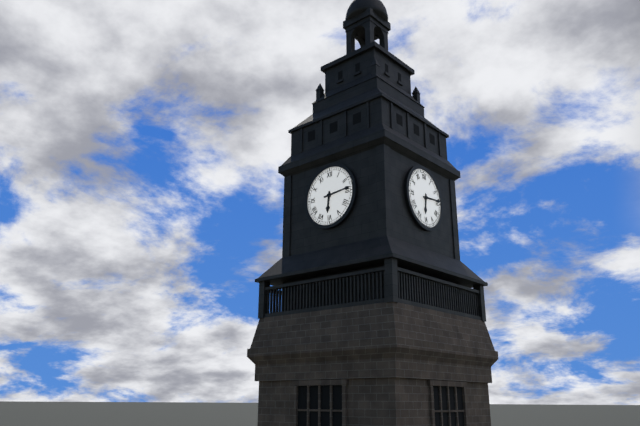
6:14
